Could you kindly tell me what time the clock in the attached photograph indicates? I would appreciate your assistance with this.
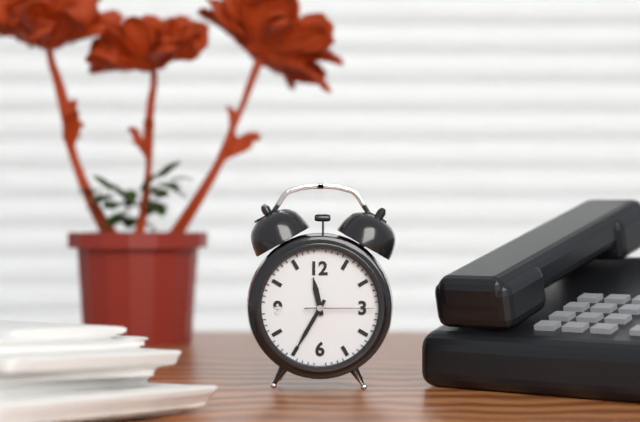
11:35:15
